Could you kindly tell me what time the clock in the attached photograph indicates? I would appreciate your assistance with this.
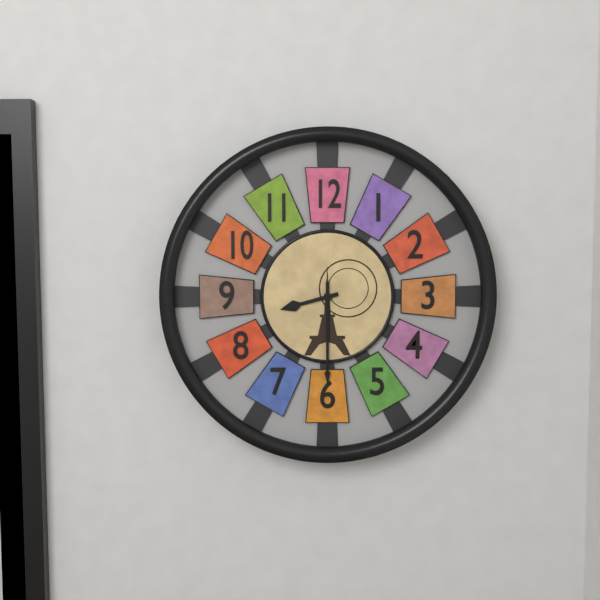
8:30
